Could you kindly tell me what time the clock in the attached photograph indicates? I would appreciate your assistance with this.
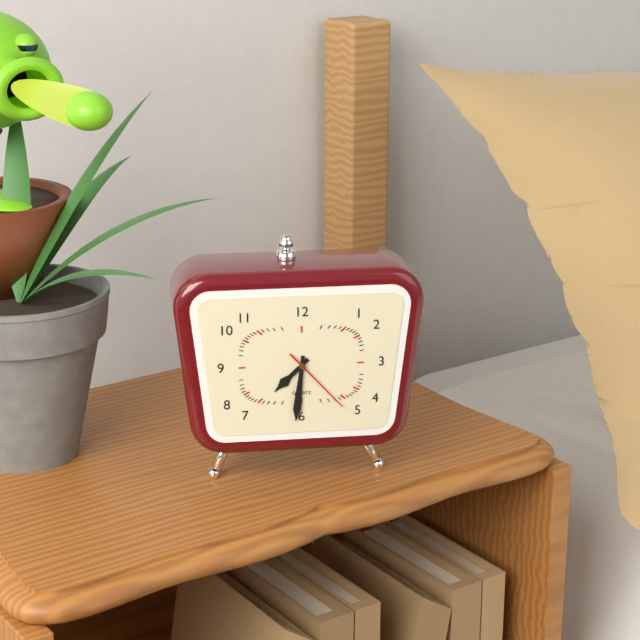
7:31:23
